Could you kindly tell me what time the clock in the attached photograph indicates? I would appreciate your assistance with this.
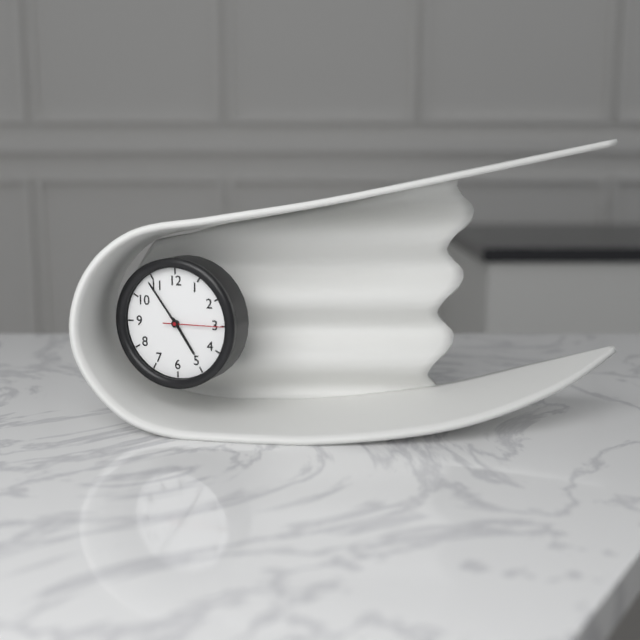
4:54:15
